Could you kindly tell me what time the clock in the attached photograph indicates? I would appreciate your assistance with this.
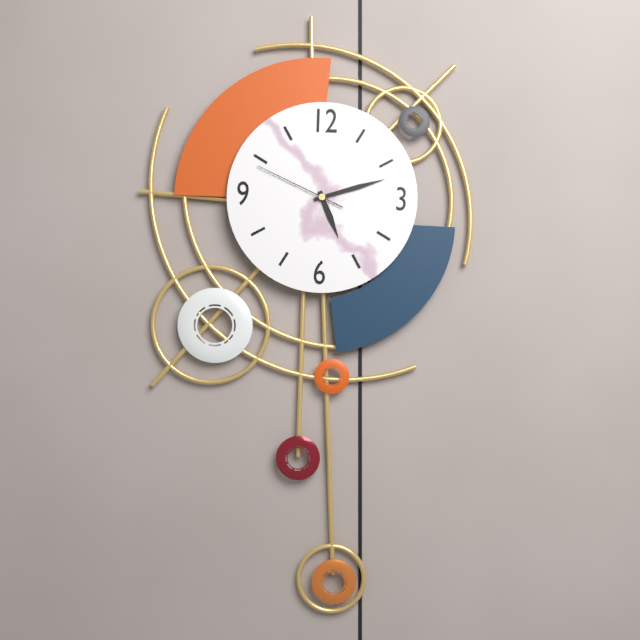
5:12:49
